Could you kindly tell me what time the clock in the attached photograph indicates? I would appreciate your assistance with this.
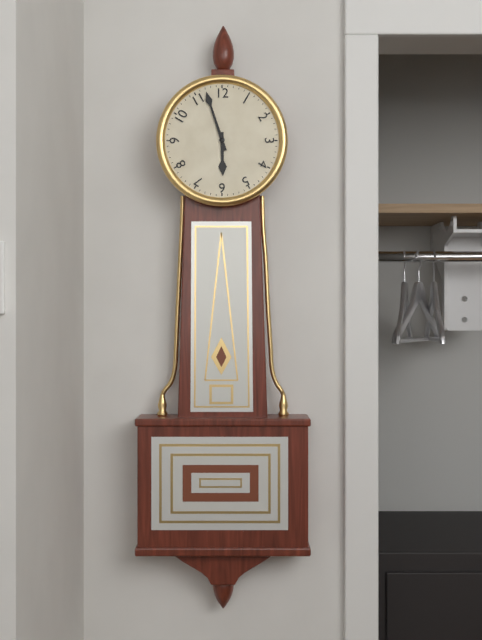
5:57
